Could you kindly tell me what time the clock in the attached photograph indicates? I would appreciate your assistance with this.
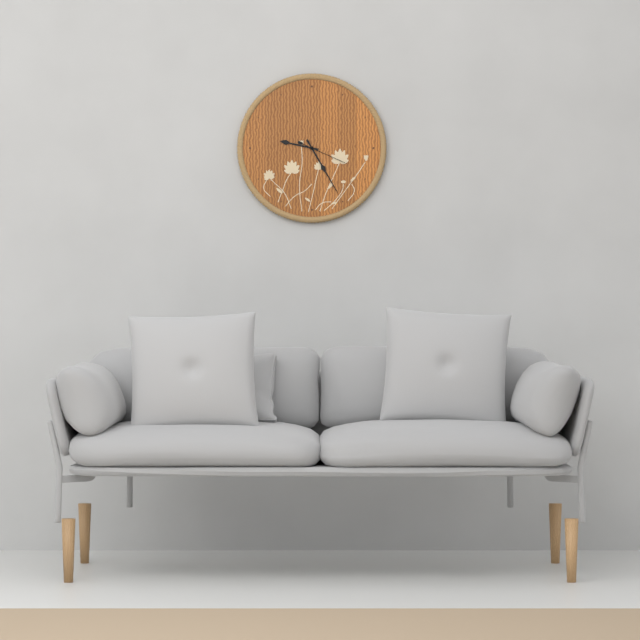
9:25
